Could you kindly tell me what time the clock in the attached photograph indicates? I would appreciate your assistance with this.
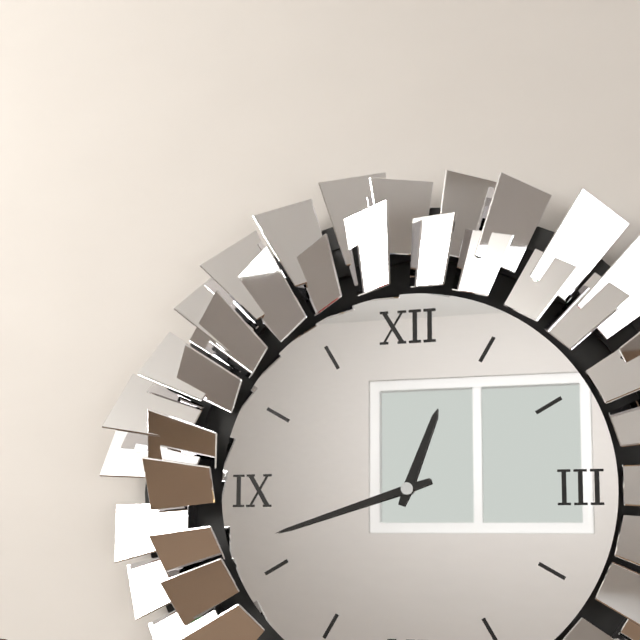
12:42
